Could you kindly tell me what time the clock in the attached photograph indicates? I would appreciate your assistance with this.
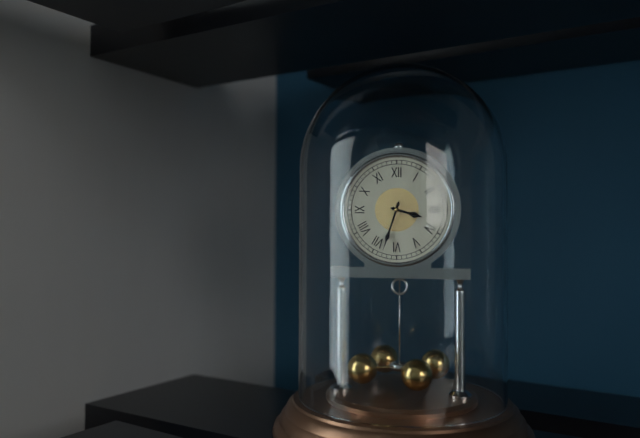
3:33
